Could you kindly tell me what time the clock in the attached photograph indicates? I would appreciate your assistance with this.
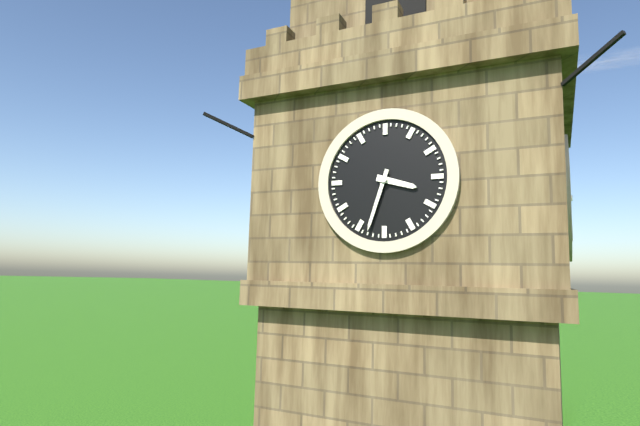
3:33
